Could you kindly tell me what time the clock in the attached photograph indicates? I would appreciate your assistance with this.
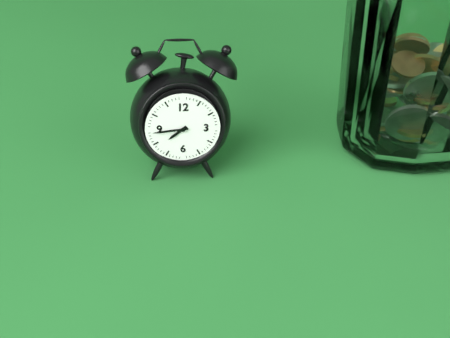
7:44
